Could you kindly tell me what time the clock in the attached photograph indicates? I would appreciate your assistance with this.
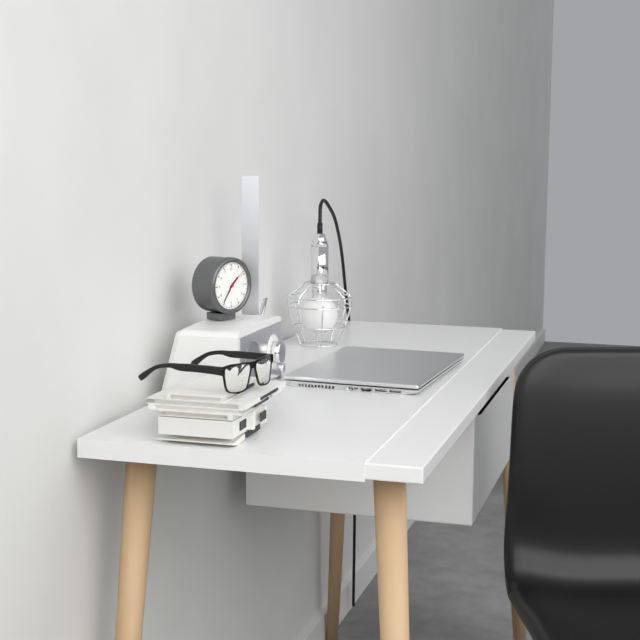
1:36
